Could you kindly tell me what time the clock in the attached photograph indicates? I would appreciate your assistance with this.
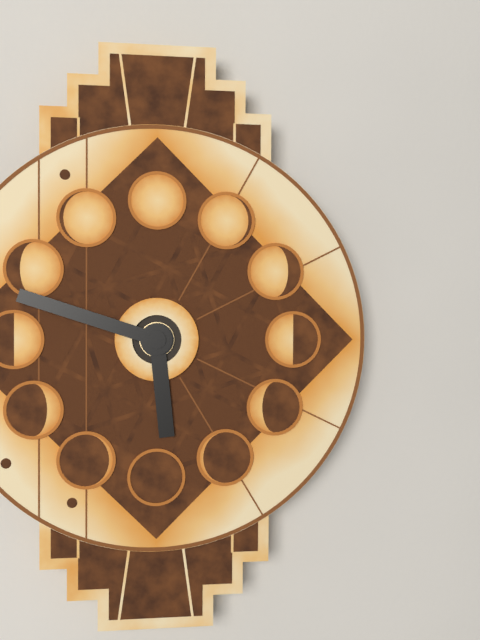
5:48
